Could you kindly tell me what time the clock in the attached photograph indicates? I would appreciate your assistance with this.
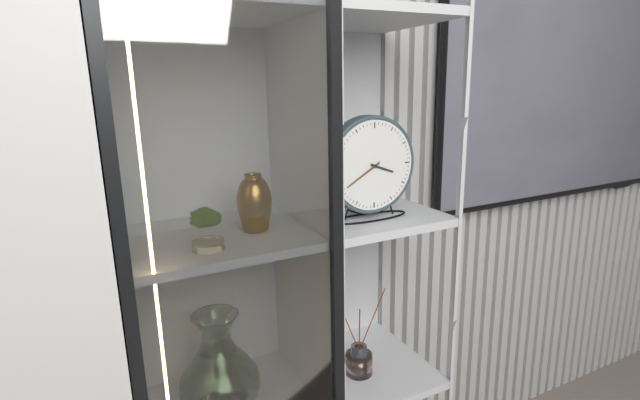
3:40
